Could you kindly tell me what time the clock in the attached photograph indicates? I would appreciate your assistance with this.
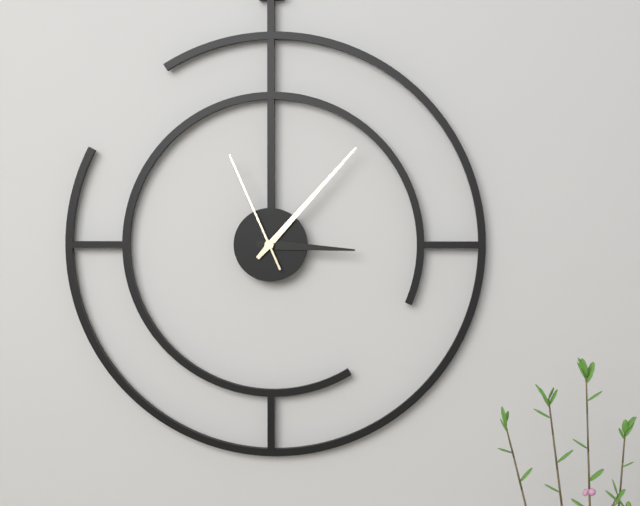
3:07:56
